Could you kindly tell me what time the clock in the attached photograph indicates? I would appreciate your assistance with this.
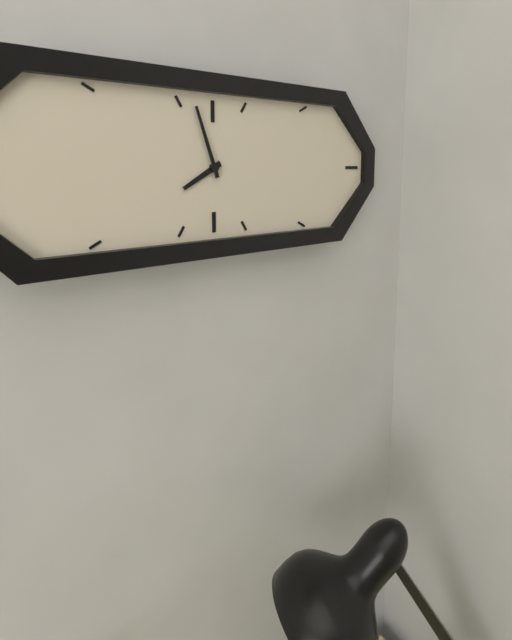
7:57
